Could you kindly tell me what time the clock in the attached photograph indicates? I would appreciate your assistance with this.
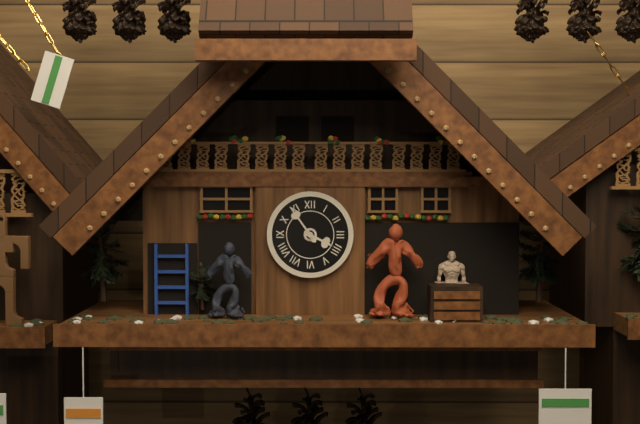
3:54
